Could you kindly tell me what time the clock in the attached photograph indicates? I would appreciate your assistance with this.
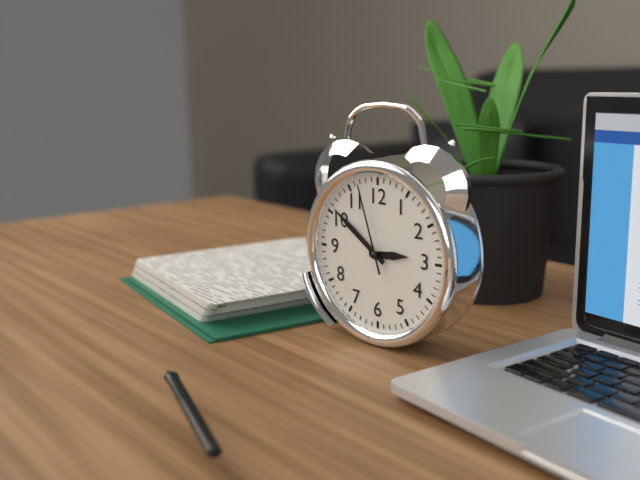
2:51:57
